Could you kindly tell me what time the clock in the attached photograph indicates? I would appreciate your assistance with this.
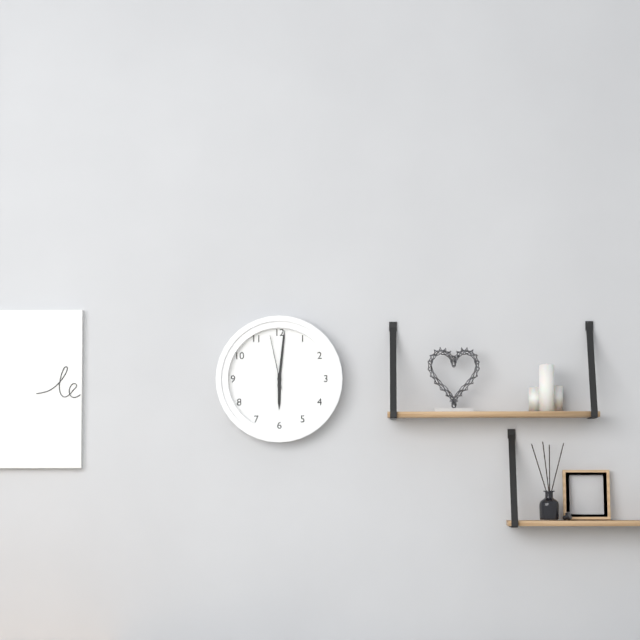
6:01:58
